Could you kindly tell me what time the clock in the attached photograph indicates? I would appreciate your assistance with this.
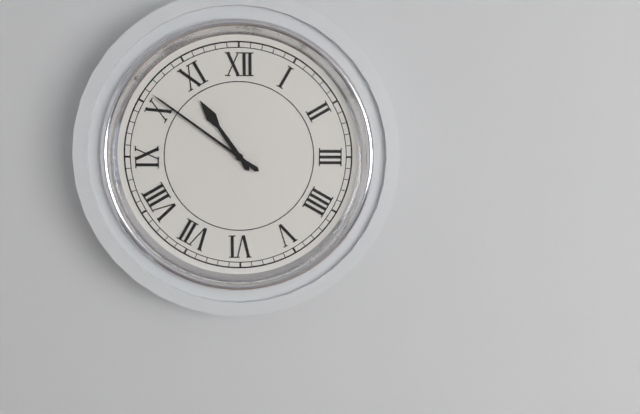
10:51
